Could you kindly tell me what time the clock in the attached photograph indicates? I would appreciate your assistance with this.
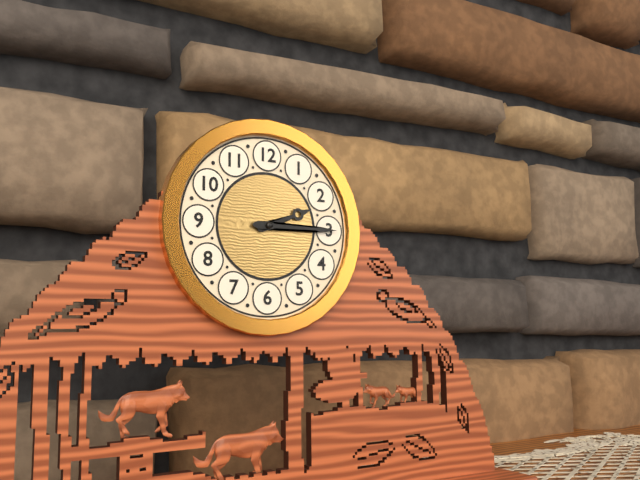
2:15
